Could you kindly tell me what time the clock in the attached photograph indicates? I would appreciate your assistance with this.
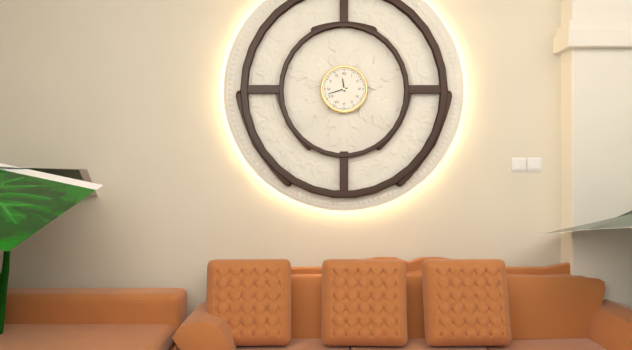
11:42
